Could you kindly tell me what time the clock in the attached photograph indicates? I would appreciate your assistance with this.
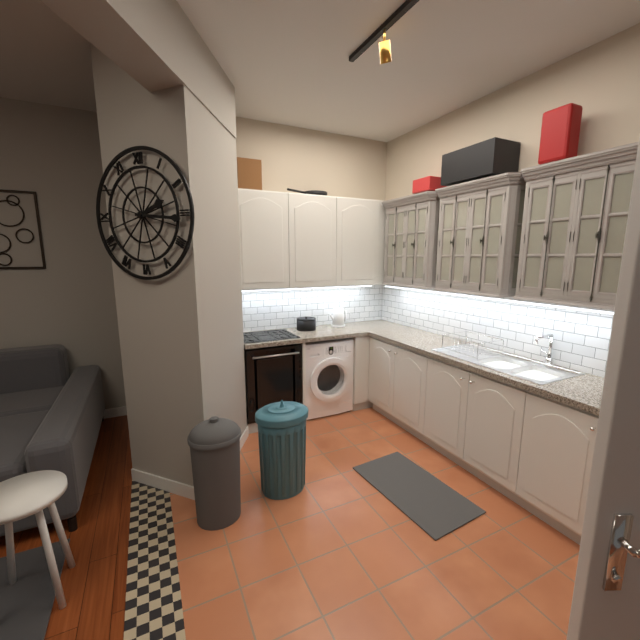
2:16
